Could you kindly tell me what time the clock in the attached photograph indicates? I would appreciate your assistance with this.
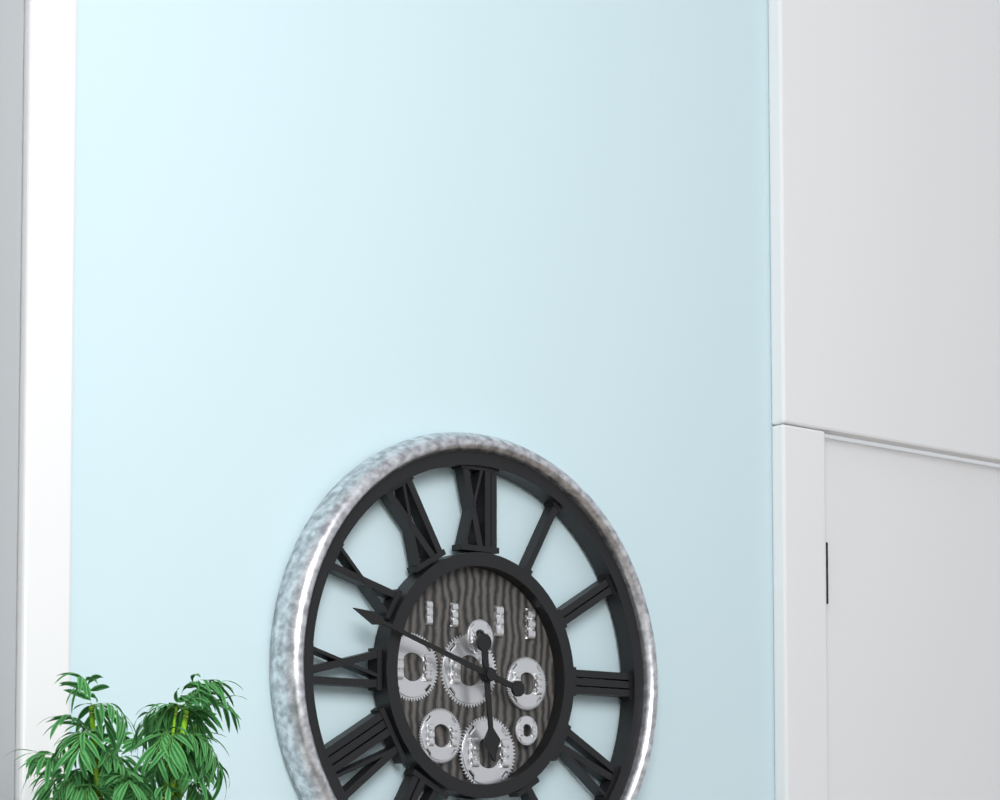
5:48
